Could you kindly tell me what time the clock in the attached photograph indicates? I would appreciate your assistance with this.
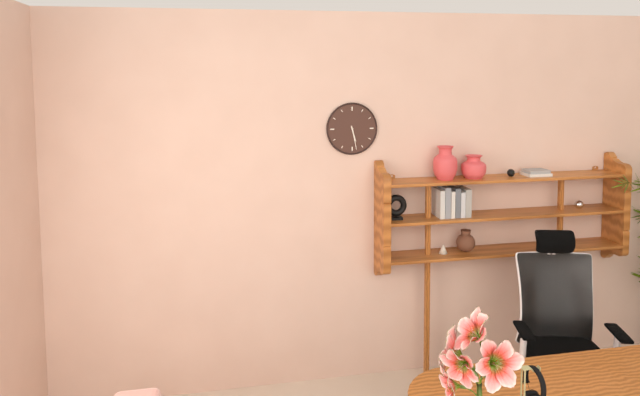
5:28
